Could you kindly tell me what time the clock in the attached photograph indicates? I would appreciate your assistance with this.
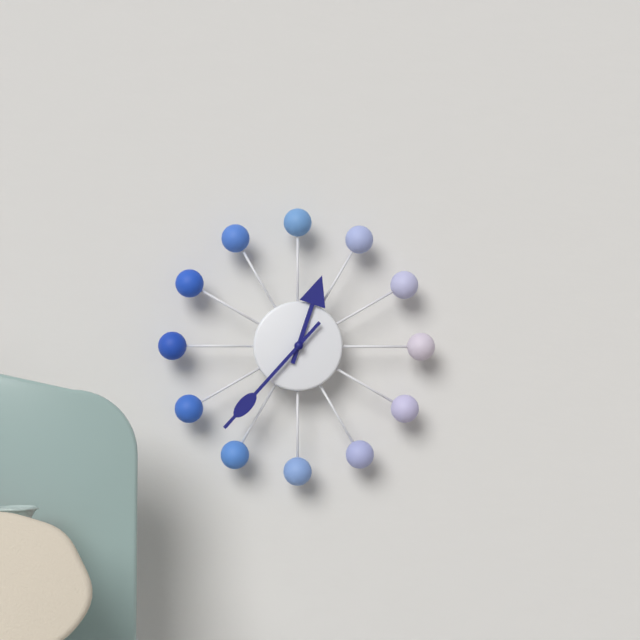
12:37
